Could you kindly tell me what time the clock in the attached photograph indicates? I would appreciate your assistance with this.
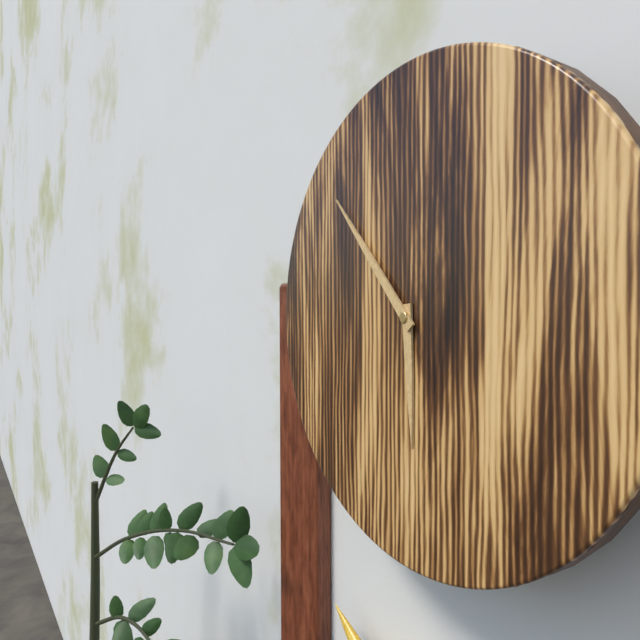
5:53
